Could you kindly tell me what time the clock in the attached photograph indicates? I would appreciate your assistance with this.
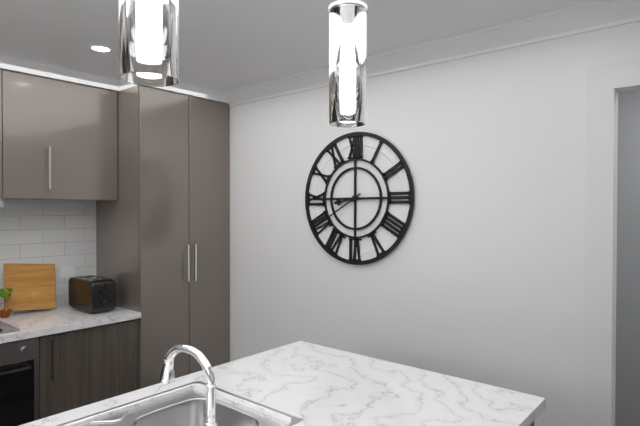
8:40:15
